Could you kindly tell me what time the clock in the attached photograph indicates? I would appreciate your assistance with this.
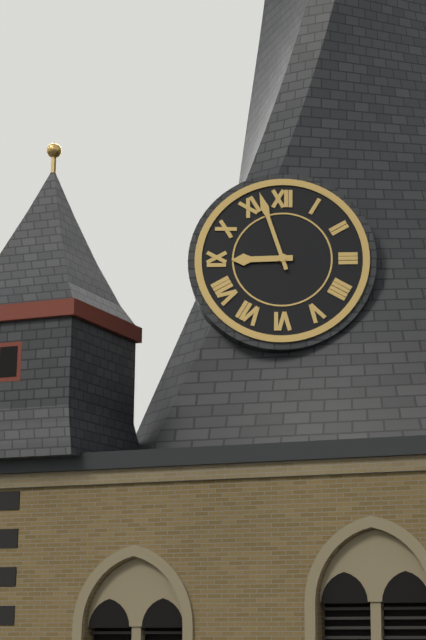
8:57
